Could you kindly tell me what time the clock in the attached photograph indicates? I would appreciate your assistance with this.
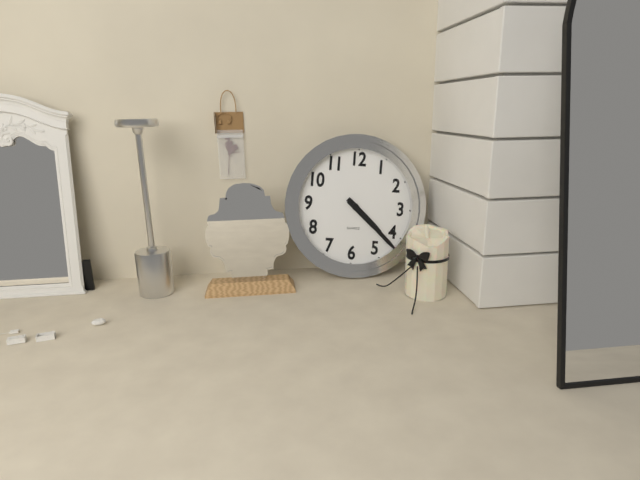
4:22
